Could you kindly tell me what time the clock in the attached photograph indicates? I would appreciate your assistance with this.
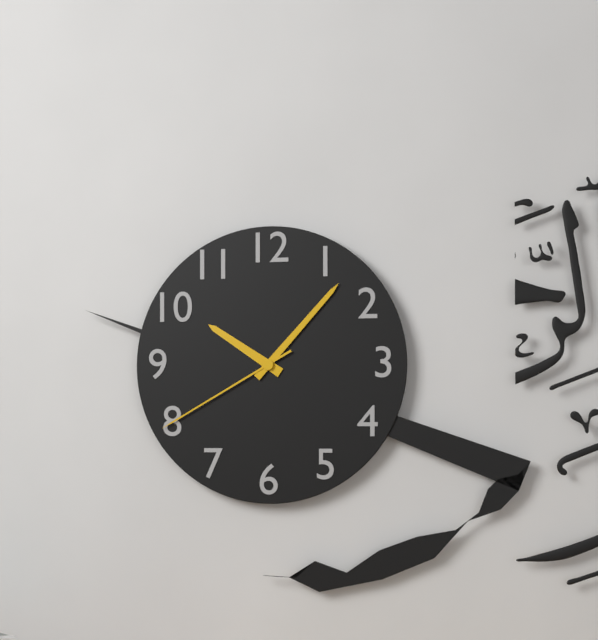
10:07:40
